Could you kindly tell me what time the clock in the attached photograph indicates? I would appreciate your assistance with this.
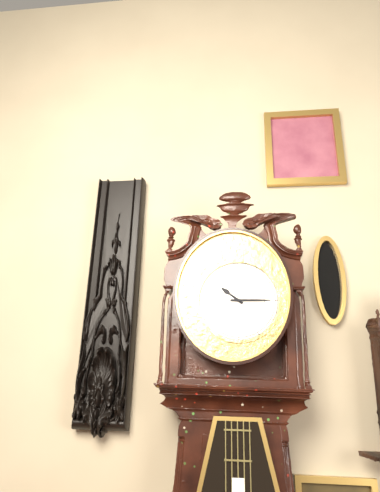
10:15
